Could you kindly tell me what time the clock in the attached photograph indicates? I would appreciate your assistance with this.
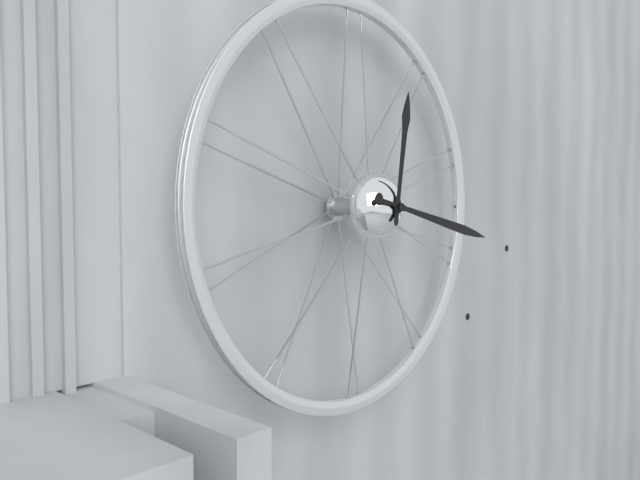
12:17
